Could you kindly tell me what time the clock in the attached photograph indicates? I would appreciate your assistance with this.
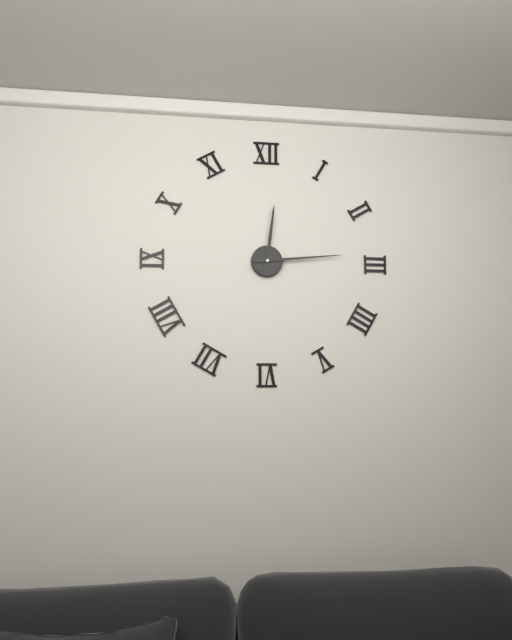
12:14
